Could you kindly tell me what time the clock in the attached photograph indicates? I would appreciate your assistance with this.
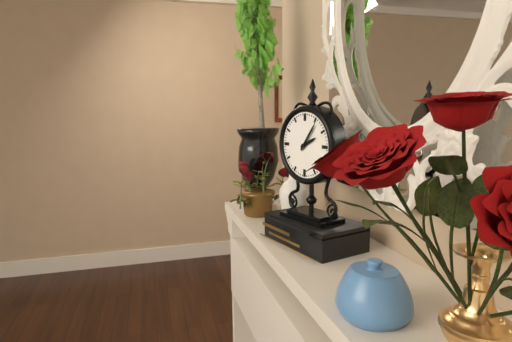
2:06
